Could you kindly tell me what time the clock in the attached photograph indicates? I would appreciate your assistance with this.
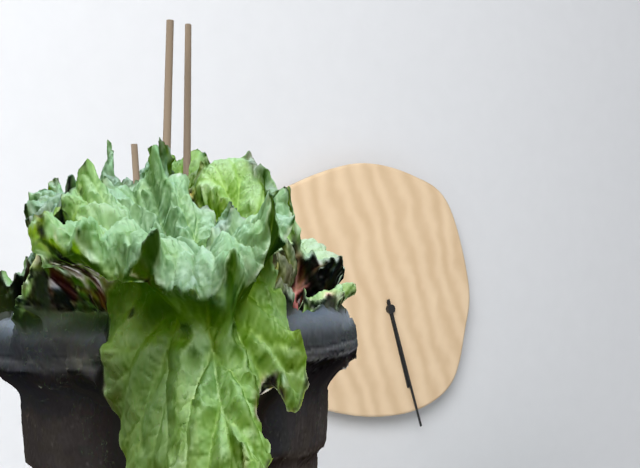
5:27
